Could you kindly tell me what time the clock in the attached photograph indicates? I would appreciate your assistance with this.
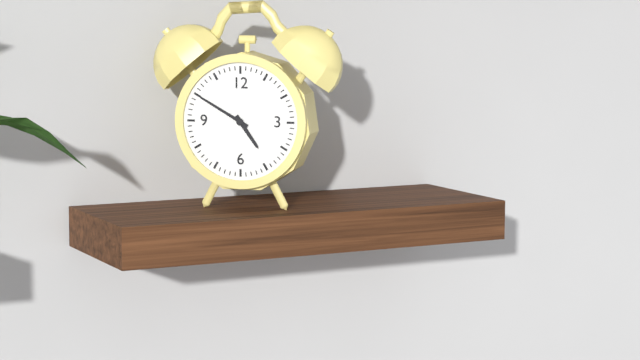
4:50
